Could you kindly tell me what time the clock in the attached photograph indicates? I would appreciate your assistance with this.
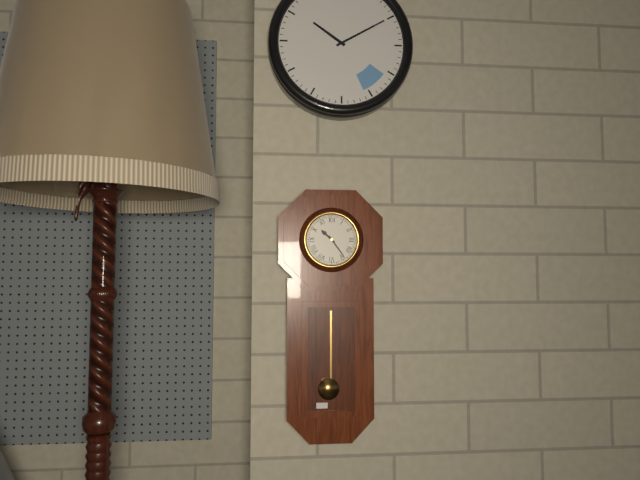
10:24
